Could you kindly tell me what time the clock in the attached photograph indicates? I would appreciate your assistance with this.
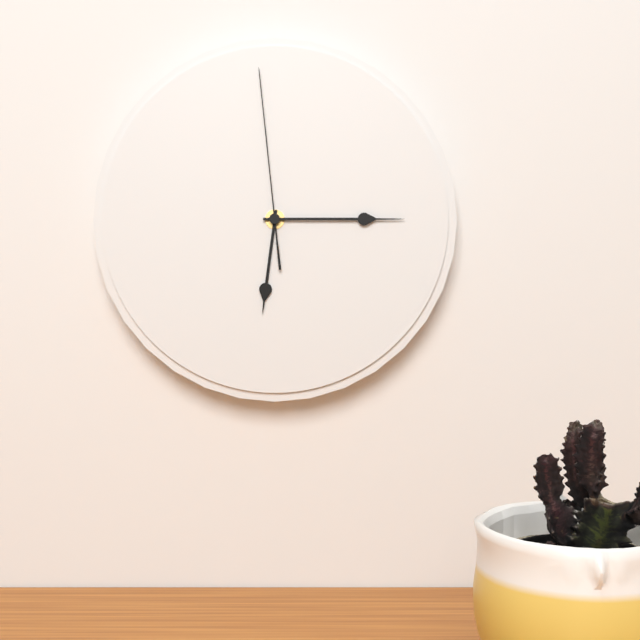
6:15:59
